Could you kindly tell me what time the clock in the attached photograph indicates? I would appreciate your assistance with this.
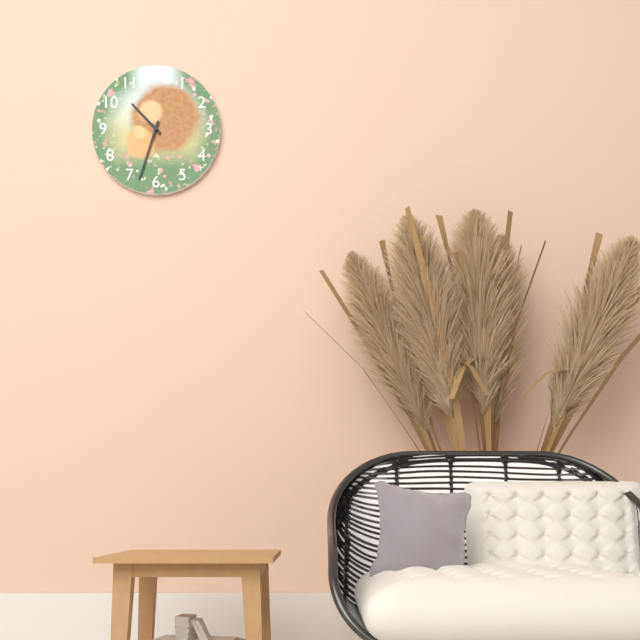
10:33
